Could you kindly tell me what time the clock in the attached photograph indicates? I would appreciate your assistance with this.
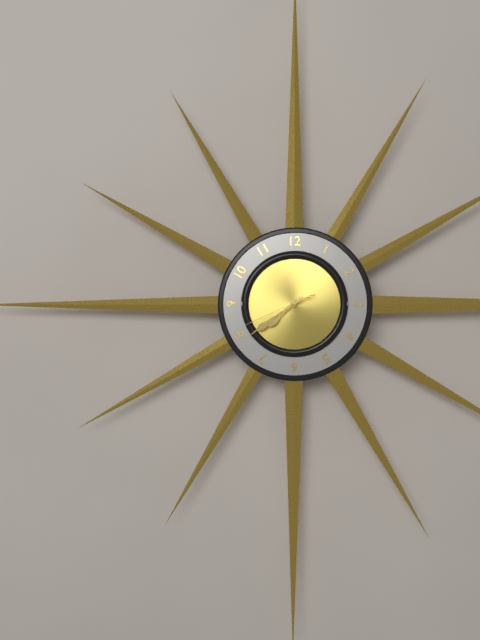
7:39:41
